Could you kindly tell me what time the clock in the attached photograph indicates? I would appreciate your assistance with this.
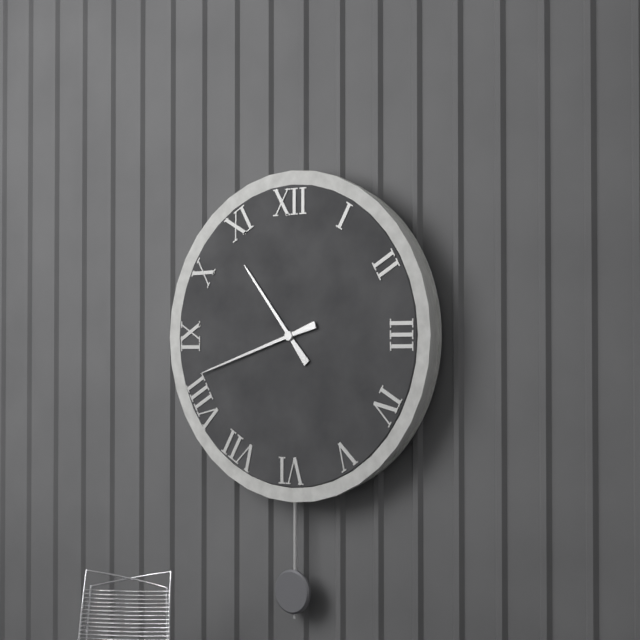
10:42
